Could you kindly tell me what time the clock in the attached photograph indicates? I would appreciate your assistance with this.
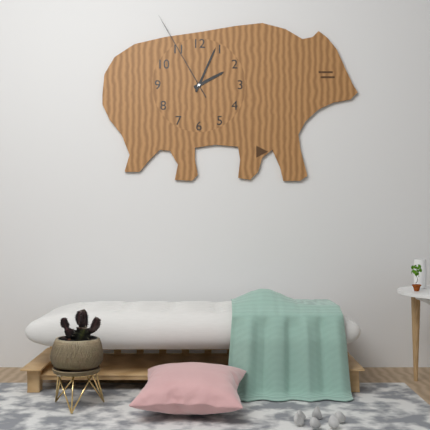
2:04:55
